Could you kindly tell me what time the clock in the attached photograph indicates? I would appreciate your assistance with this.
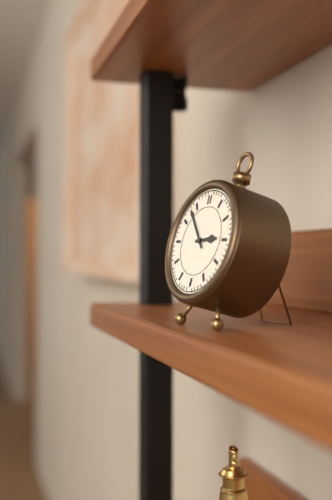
2:53
